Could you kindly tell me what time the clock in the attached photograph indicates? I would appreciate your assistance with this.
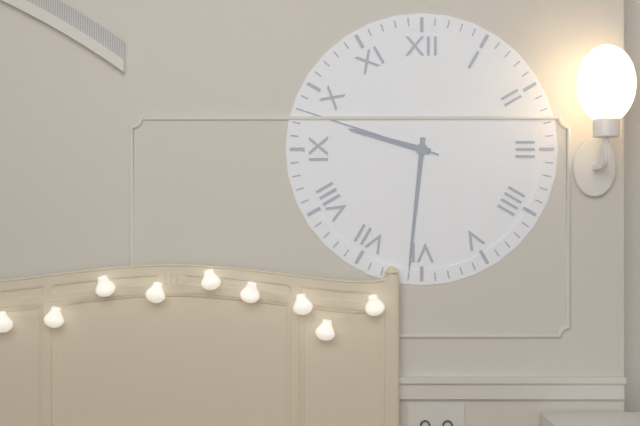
9:31:48
